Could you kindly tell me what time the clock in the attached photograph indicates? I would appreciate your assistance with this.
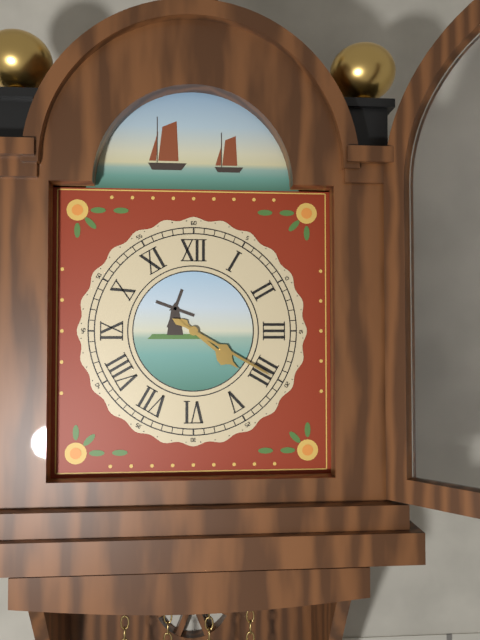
4:20
